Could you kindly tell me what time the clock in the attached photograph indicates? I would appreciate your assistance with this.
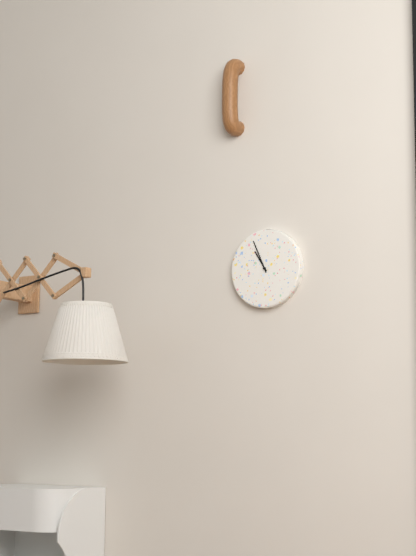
10:56
